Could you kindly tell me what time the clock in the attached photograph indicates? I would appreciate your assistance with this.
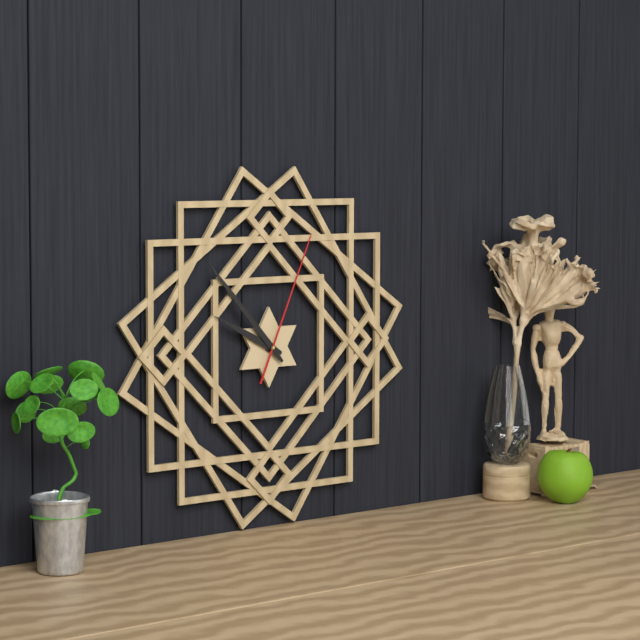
9:53:04
